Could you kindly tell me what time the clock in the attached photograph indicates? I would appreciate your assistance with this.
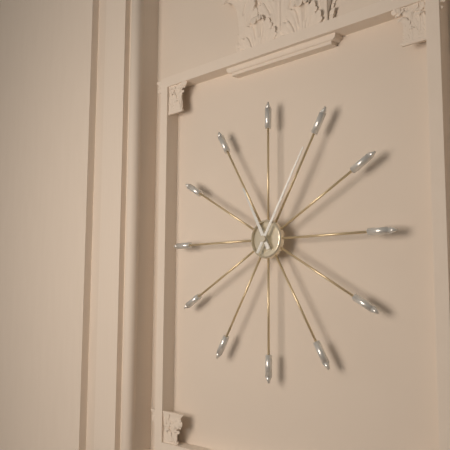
11:05
